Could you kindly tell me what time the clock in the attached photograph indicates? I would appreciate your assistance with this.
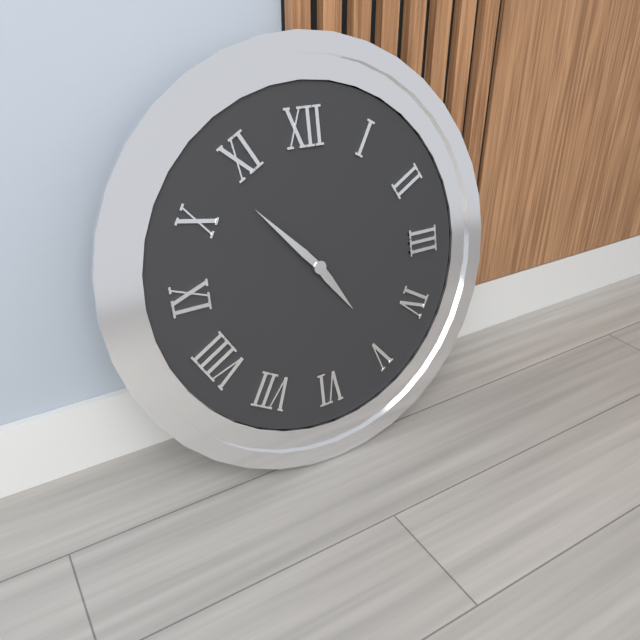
4:53
